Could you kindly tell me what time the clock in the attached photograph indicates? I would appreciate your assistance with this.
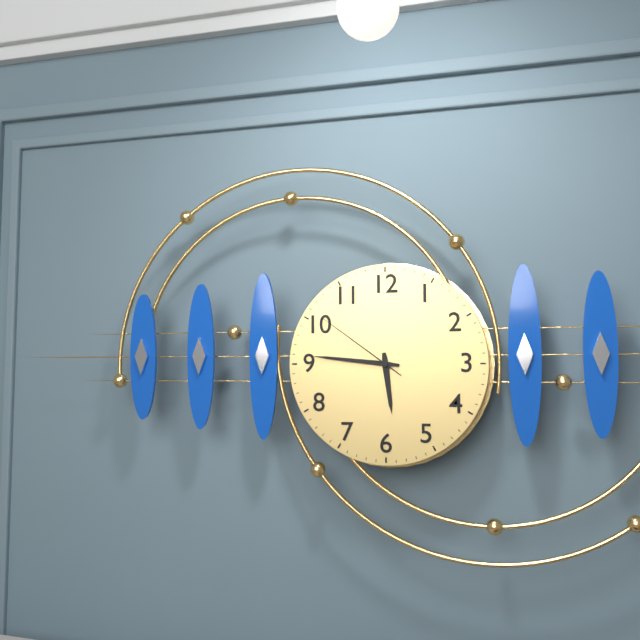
5:46:51
